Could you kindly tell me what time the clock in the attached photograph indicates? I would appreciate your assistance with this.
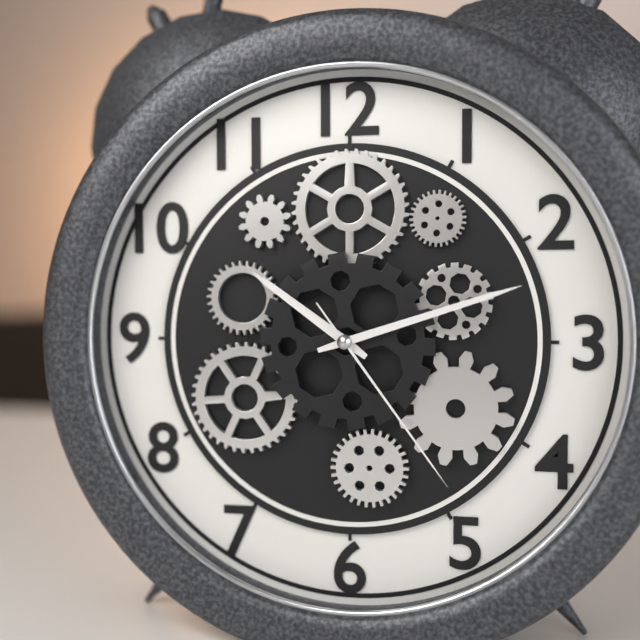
10:12:24
